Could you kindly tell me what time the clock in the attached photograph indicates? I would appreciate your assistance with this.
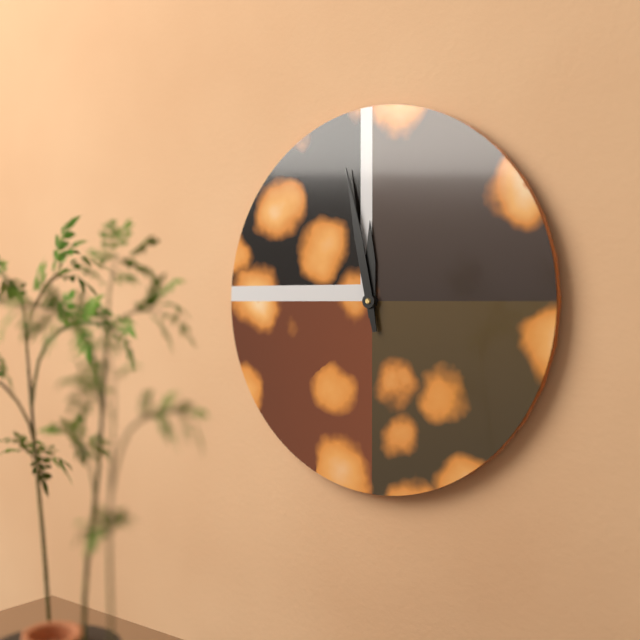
11:58
